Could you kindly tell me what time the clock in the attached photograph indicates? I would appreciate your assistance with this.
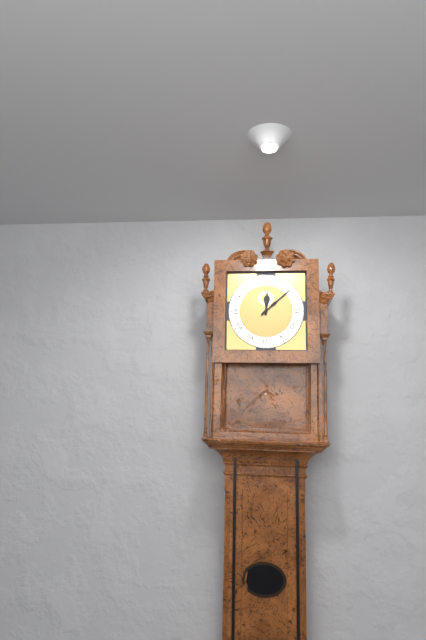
12:08
